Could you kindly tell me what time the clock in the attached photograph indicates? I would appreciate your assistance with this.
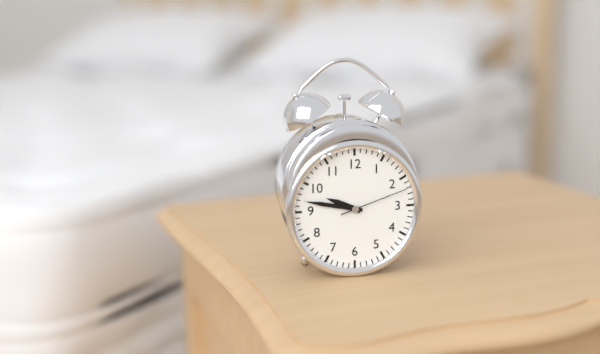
9:47:12
